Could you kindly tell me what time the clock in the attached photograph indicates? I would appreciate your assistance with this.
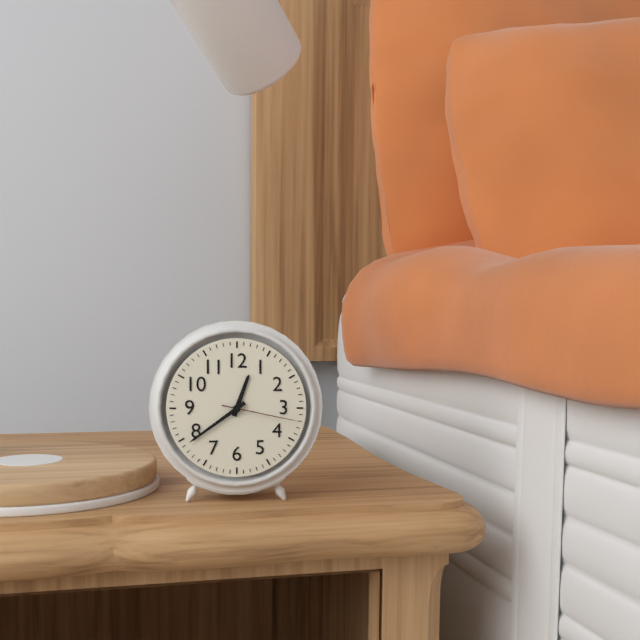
12:39:17
